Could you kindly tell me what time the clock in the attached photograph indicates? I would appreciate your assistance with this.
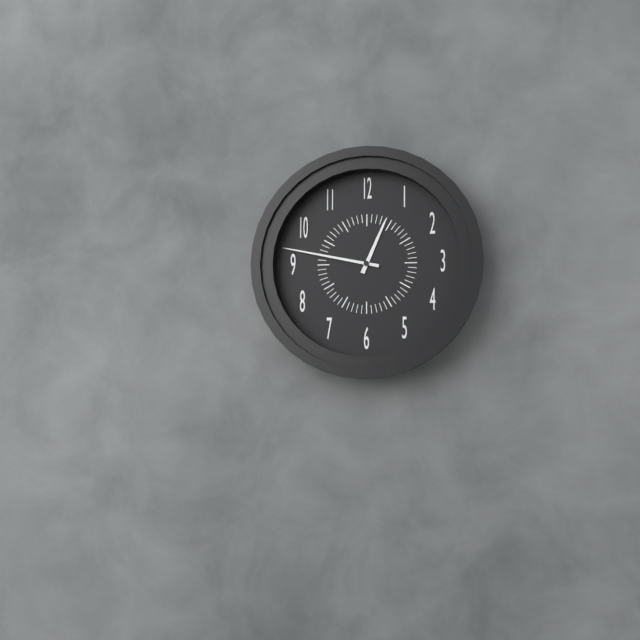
12:47
